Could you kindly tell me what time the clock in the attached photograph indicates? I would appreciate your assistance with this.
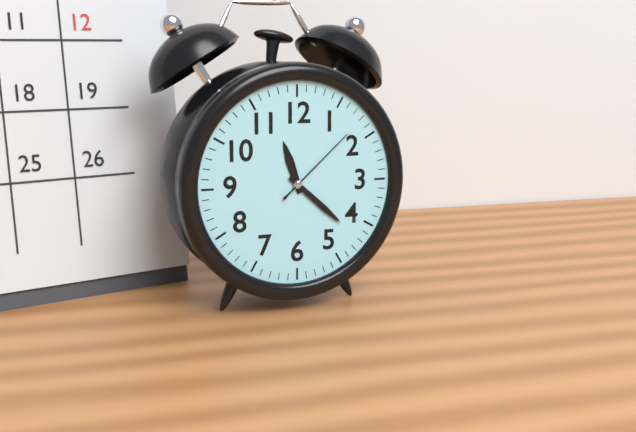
11:22:08
